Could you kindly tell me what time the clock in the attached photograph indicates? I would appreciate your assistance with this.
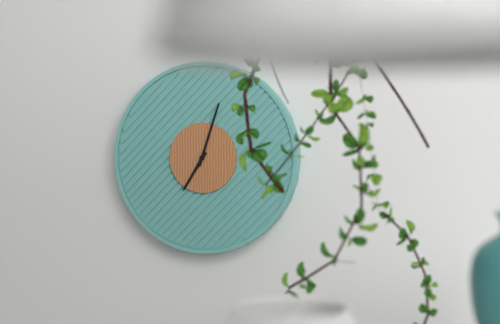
7:03
